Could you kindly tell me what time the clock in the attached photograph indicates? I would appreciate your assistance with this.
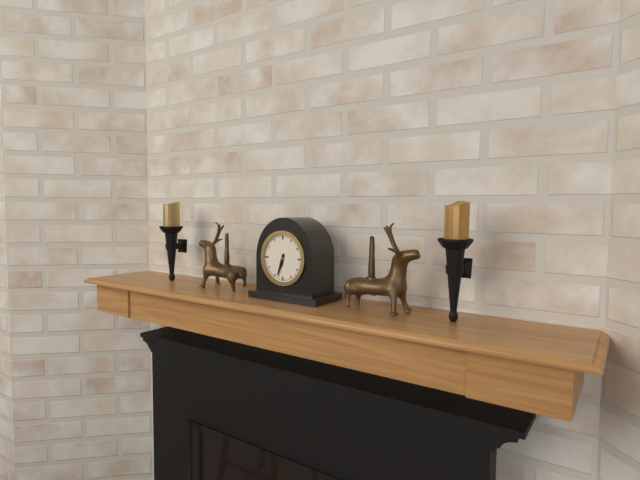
6:33
